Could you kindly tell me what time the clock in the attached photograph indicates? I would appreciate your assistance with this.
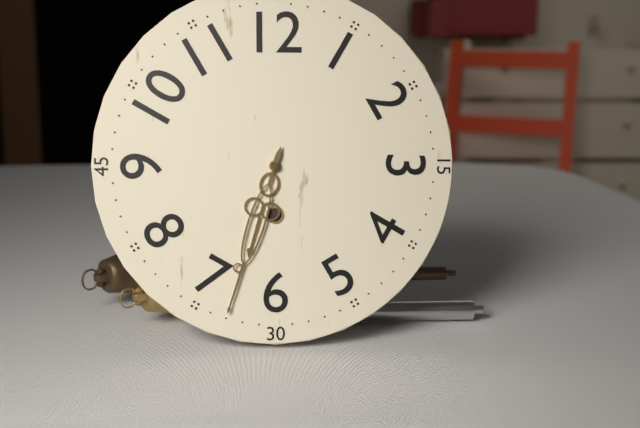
6:33
